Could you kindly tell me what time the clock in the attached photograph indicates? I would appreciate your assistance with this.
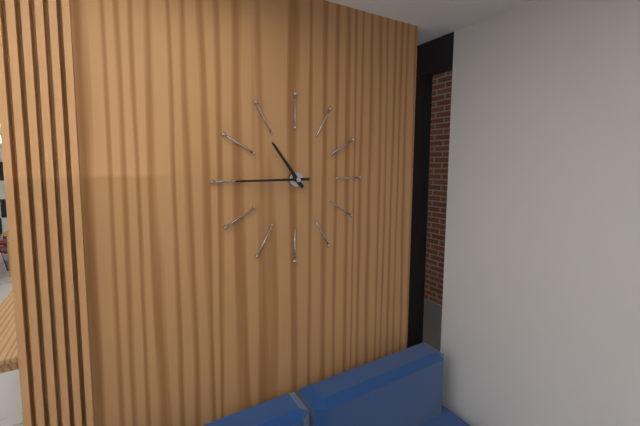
10:45
